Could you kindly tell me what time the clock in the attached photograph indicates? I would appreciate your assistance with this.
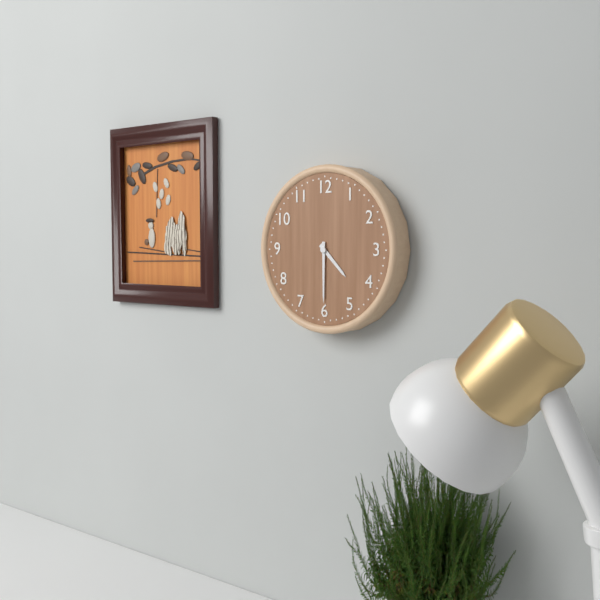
4:30
